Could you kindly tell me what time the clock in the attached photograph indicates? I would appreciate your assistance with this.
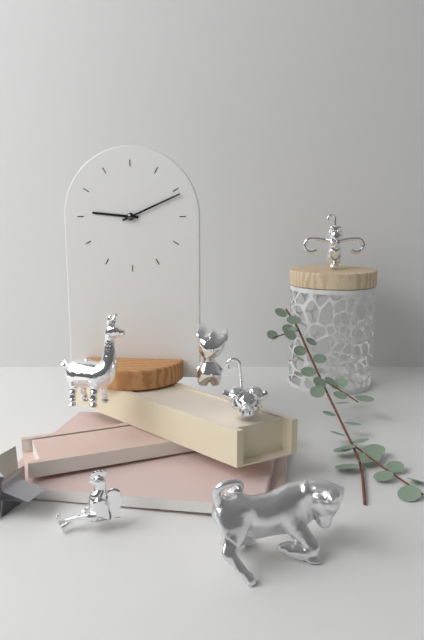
9:11
